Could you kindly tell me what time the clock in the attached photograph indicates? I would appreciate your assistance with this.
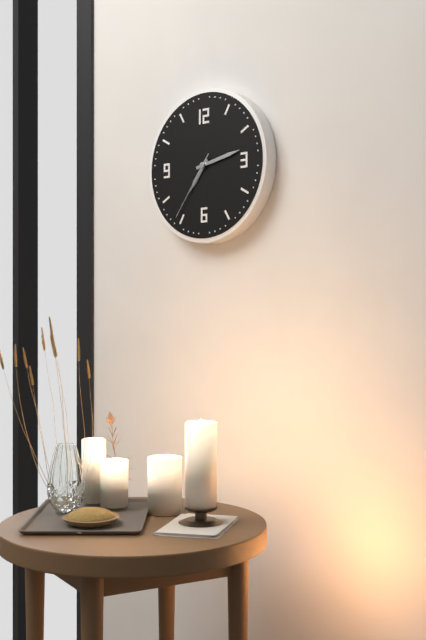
7:13:36
